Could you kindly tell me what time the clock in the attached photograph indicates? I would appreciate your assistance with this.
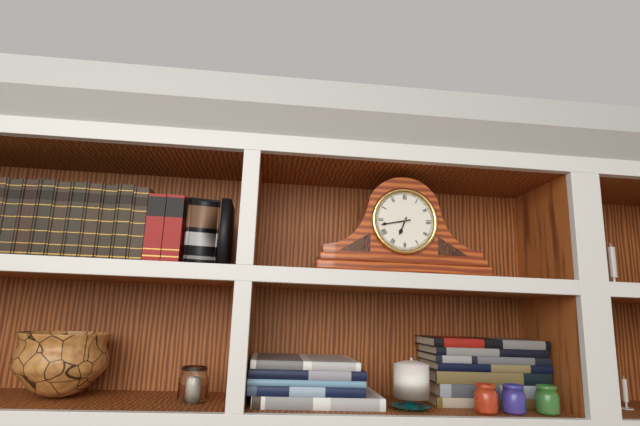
6:43
